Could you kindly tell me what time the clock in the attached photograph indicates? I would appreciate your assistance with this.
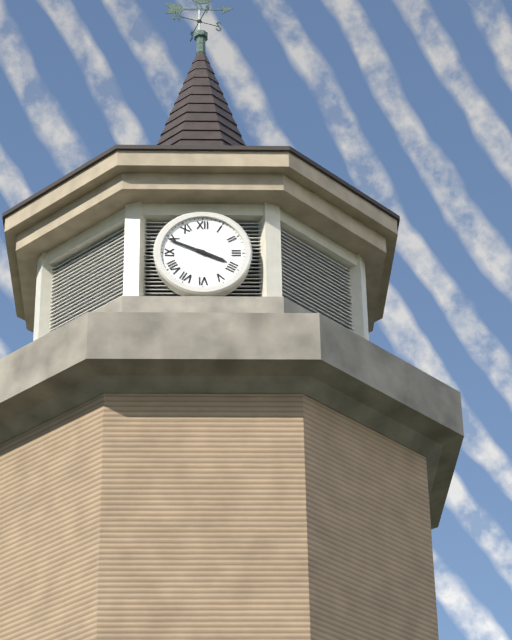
3:49
